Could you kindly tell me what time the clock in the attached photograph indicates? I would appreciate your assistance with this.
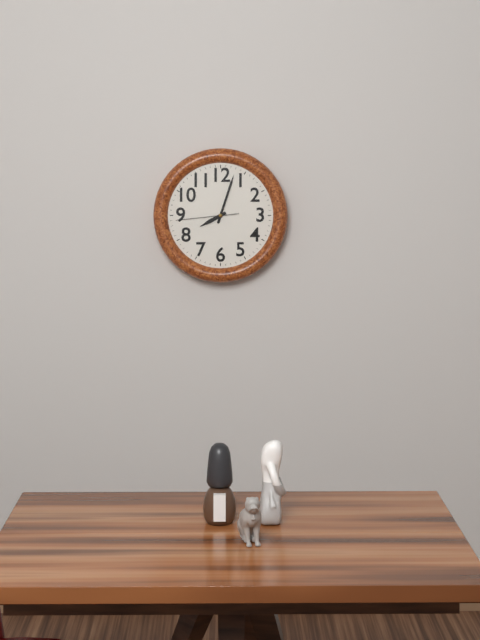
8:03:44
